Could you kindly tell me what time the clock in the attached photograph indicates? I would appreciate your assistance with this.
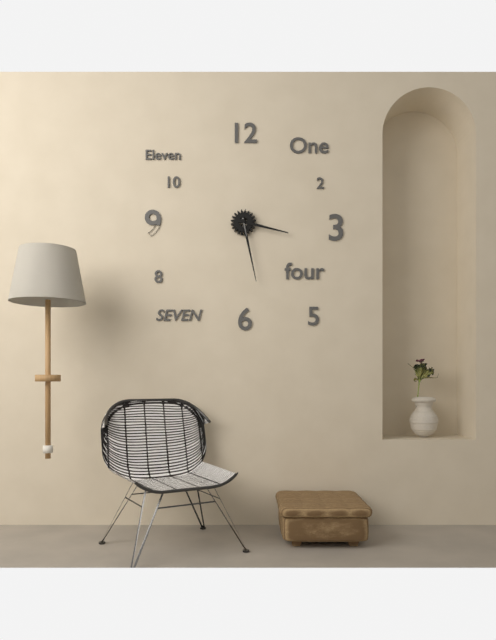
3:28
